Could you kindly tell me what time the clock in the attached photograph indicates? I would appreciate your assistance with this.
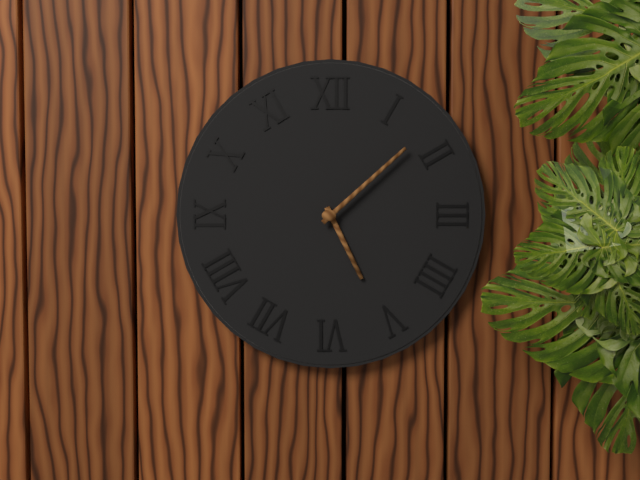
5:08
